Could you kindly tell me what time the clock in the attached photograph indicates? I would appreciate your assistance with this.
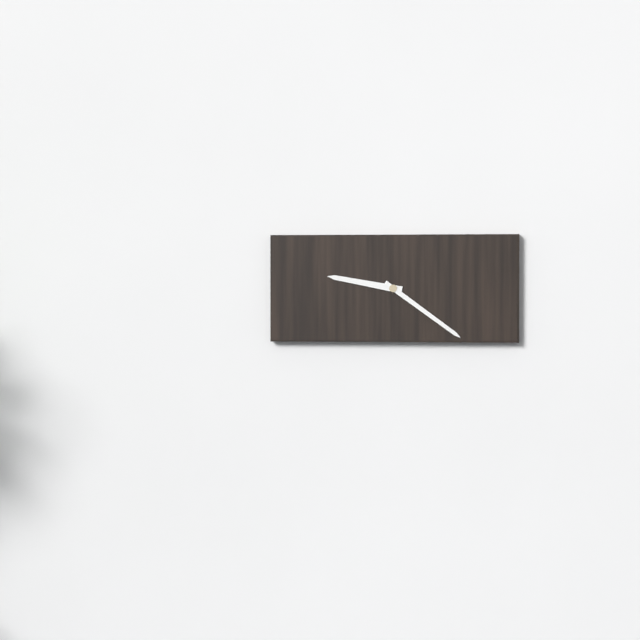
9:21
